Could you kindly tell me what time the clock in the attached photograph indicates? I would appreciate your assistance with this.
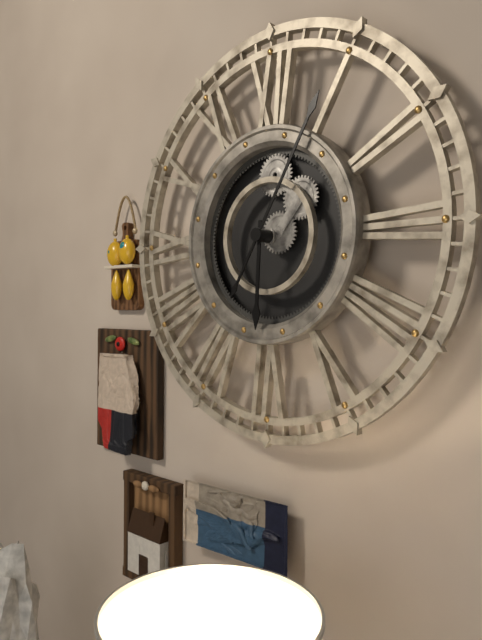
6:05
